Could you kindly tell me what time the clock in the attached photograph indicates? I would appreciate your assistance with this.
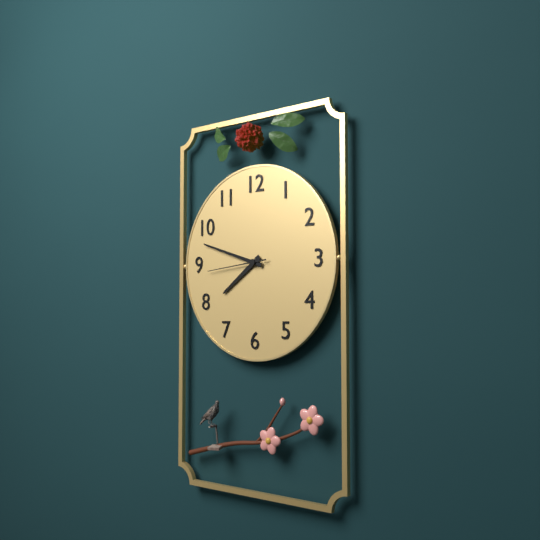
7:48:44
